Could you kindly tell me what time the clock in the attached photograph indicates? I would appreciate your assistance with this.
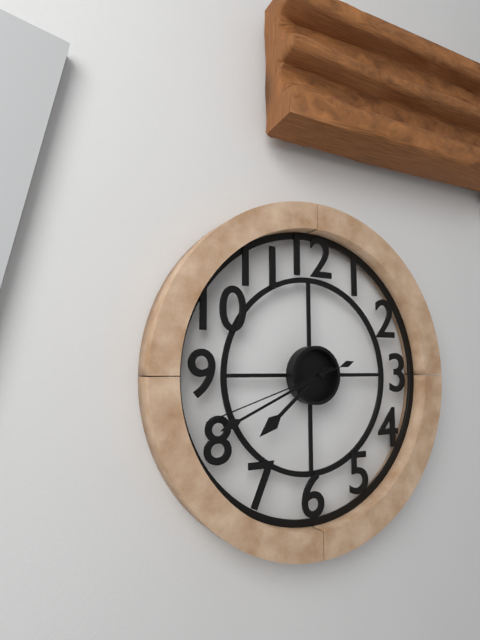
7:41:42
